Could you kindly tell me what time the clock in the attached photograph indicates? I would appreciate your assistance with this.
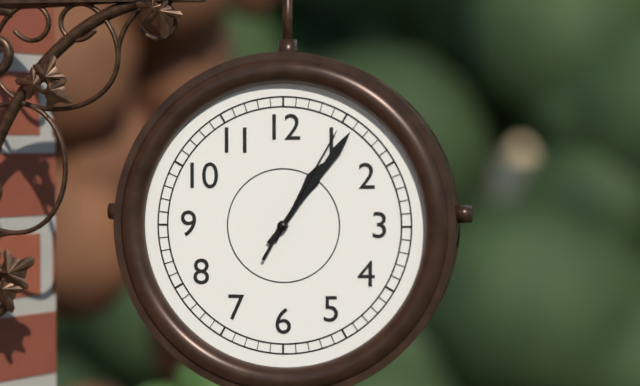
1:06:05
